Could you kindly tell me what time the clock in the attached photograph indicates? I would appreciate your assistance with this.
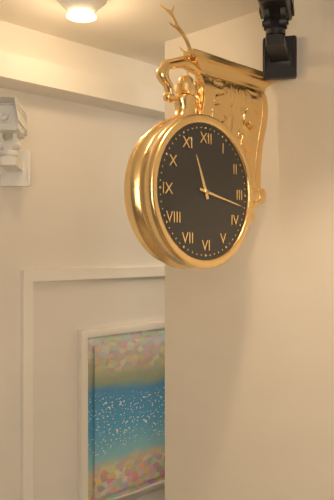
11:17
